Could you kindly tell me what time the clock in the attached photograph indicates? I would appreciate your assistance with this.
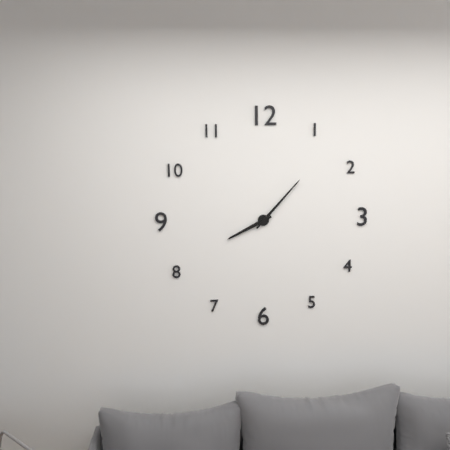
8:07
